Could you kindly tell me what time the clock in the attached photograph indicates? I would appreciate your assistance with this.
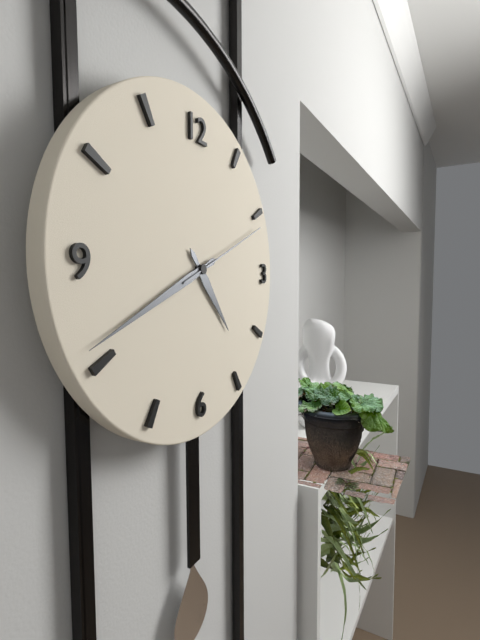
4:41:11
